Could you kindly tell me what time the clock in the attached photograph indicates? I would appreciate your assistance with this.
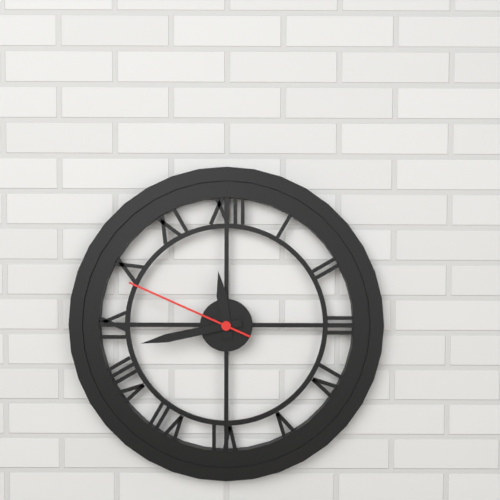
11:43:49
